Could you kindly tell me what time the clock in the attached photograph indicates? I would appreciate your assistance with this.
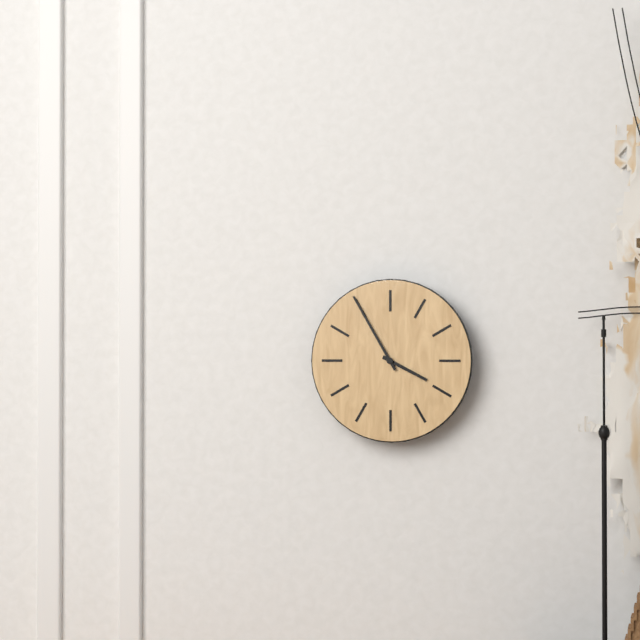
3:55
